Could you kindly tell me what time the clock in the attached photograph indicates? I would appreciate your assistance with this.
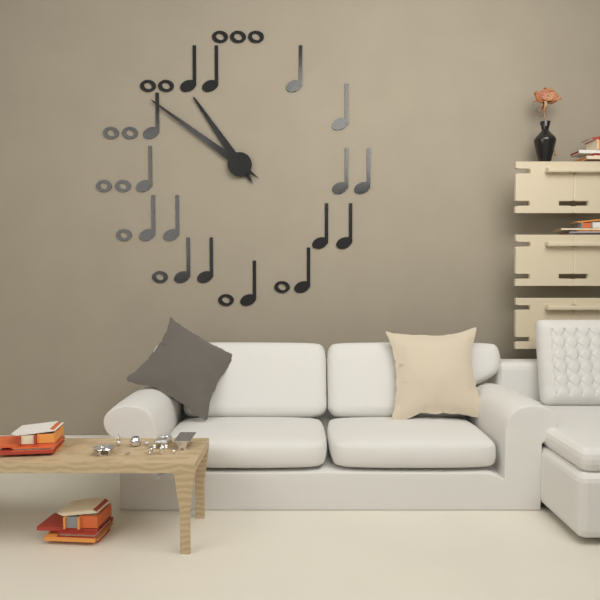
10:51
